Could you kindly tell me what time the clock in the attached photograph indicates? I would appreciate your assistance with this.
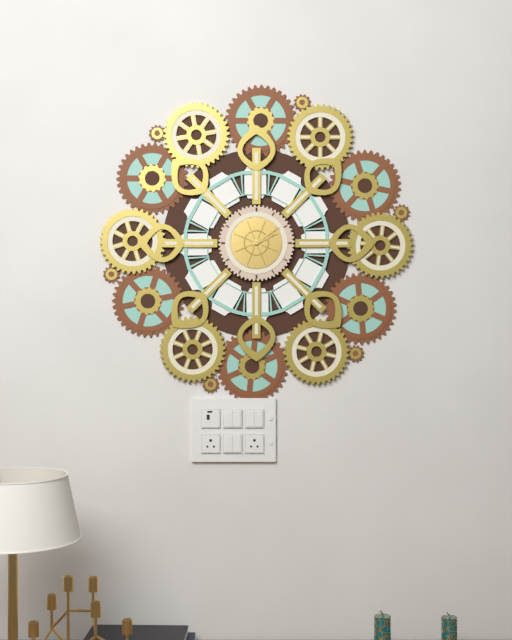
2:09
